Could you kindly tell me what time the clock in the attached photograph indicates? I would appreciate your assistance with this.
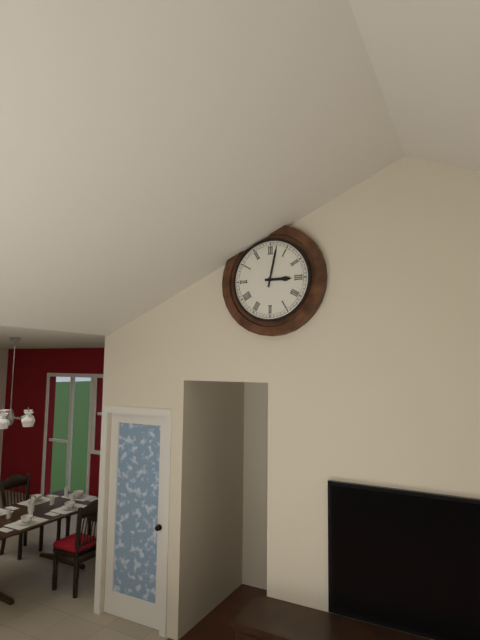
3:02
